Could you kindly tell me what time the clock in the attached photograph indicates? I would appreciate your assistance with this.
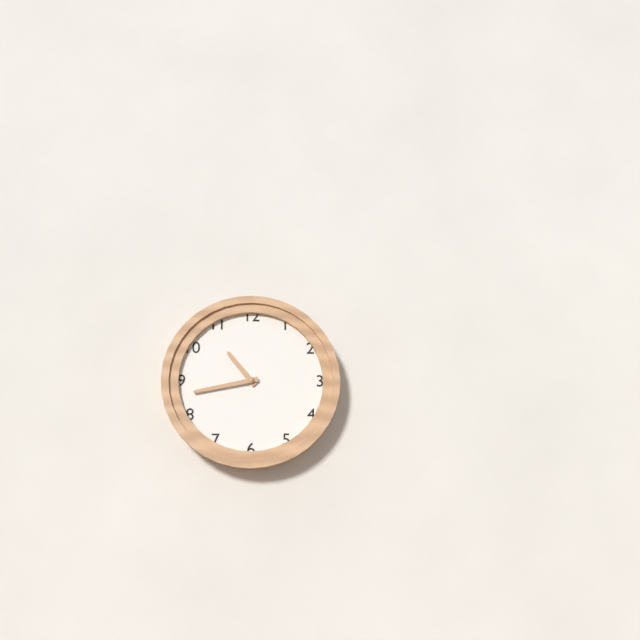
10:43
